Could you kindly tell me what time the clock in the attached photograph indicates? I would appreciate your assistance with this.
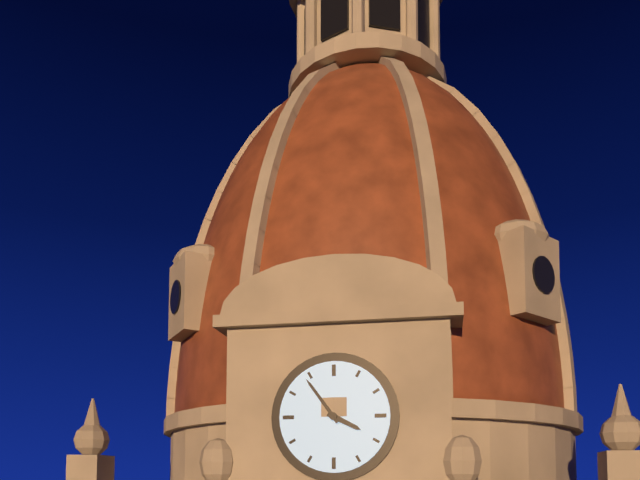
3:54
